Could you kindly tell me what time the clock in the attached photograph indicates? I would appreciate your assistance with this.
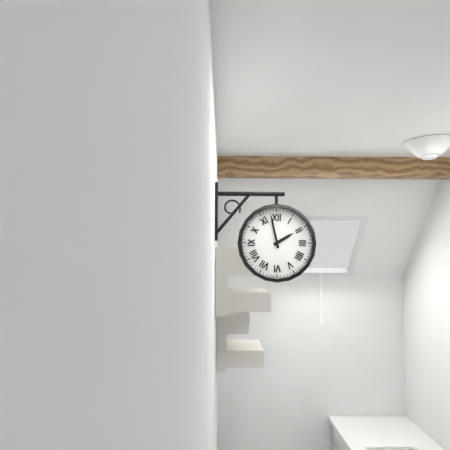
1:58
